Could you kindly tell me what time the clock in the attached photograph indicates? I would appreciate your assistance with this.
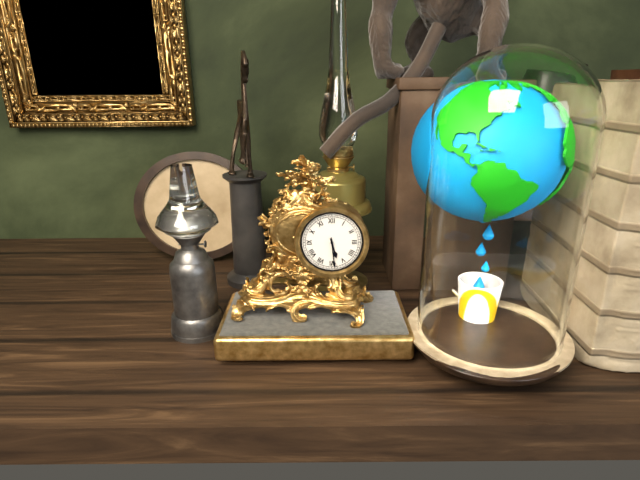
5:29
